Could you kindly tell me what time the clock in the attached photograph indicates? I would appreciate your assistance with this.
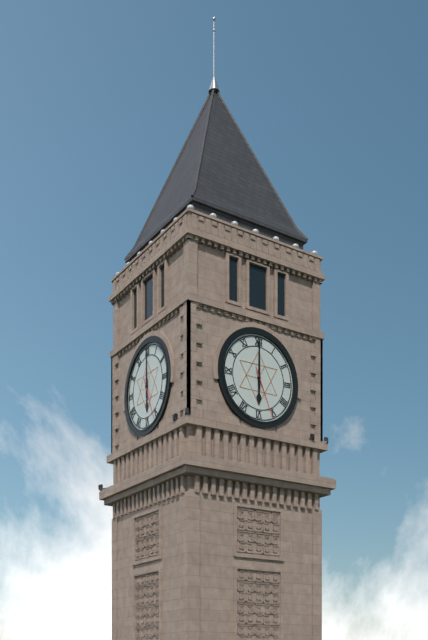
6:00:26
